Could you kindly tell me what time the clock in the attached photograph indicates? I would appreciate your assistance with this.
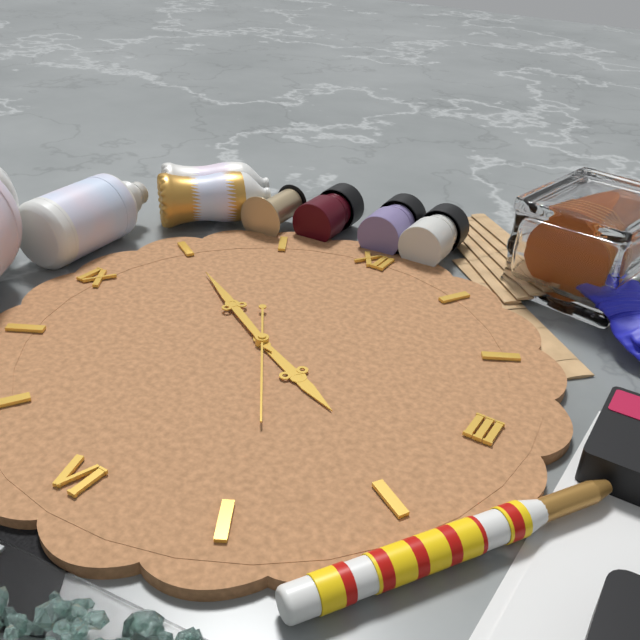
3:50:24
